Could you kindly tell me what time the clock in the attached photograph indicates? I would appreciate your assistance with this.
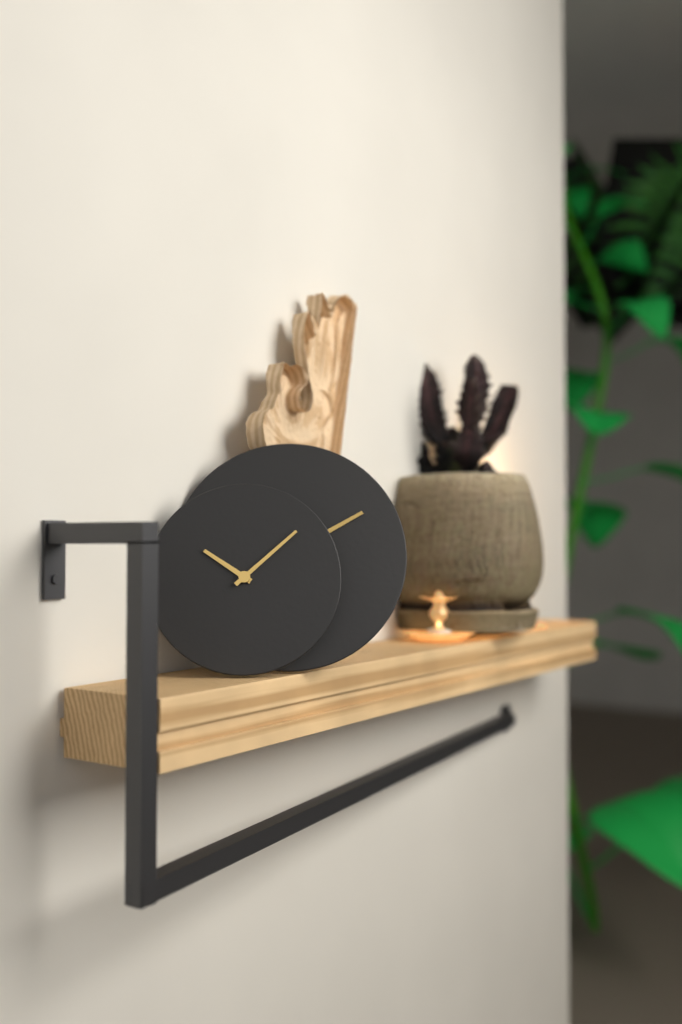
10:08
